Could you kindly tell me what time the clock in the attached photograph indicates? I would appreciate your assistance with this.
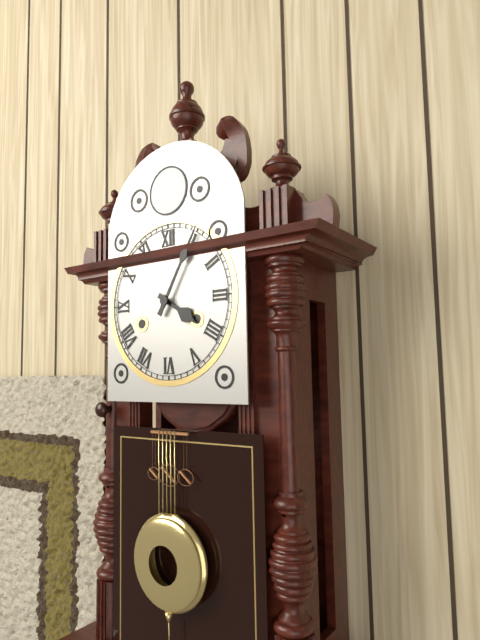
4:05
